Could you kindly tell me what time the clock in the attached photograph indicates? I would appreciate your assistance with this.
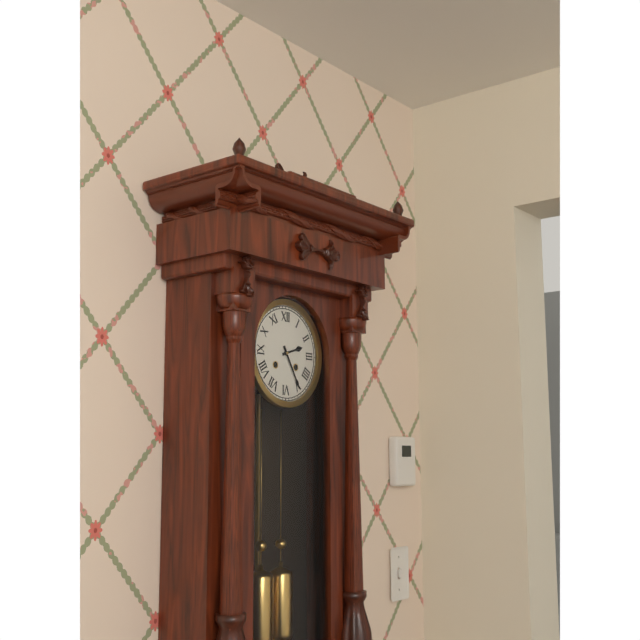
2:25
